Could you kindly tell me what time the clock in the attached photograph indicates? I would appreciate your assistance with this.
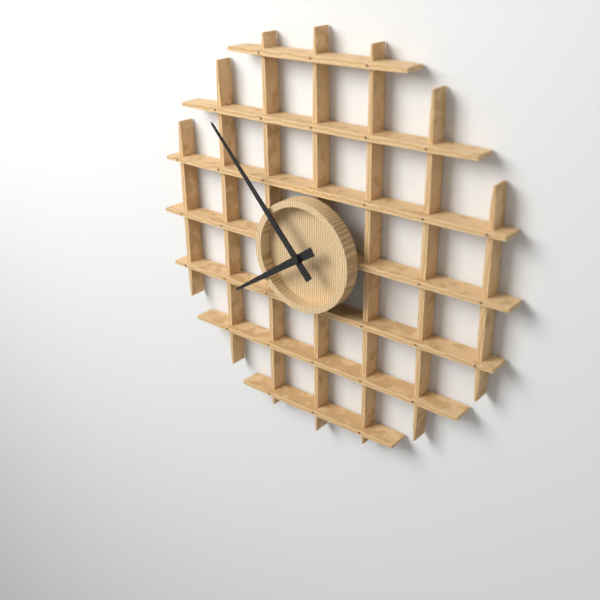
7:53
